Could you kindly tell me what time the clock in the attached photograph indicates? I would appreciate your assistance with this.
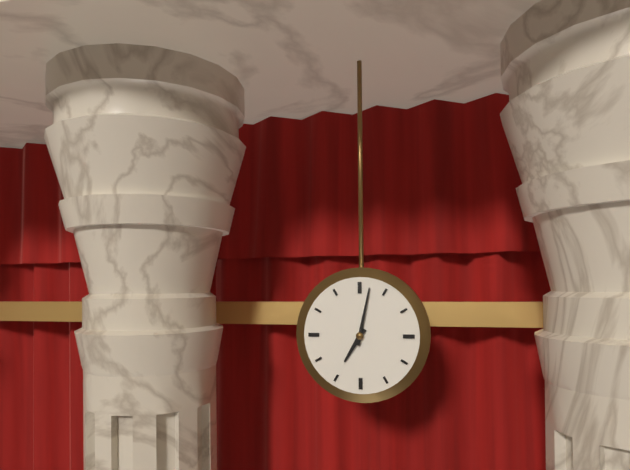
7:02
